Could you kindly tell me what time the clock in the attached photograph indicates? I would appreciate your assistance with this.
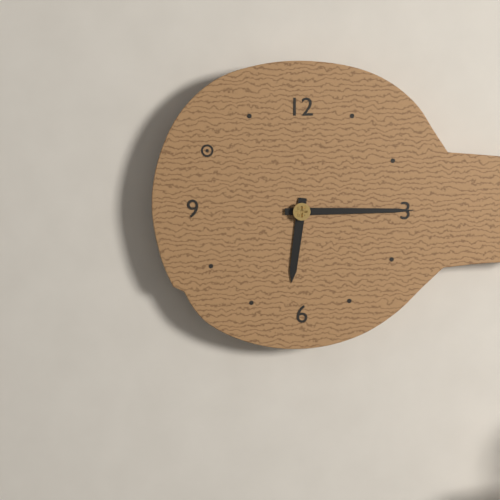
6:15
